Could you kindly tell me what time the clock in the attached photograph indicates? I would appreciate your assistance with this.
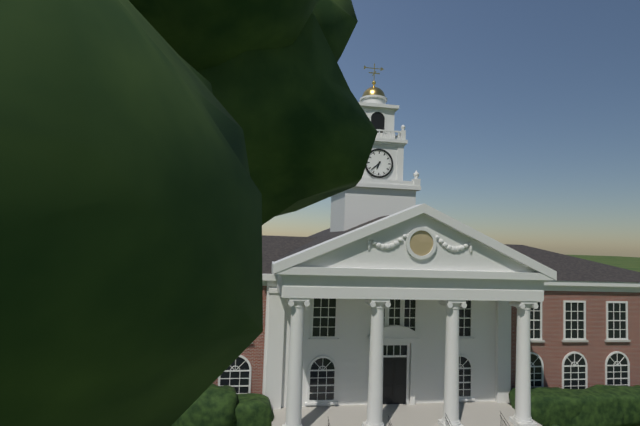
6:38
